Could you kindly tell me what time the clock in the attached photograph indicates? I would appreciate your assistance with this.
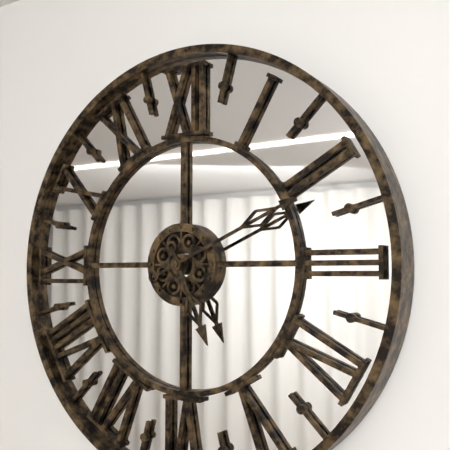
5:11
